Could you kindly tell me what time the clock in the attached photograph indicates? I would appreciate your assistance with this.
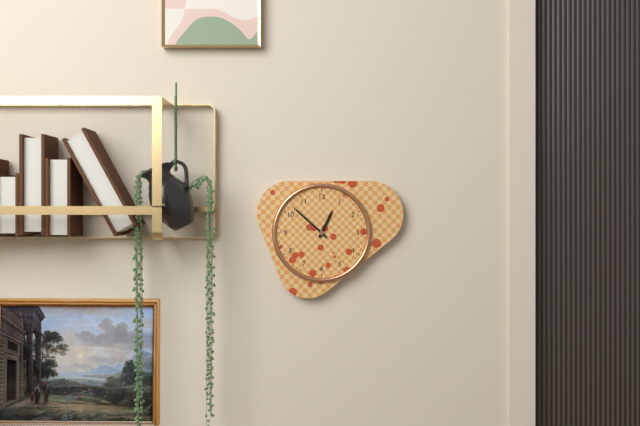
12:52
